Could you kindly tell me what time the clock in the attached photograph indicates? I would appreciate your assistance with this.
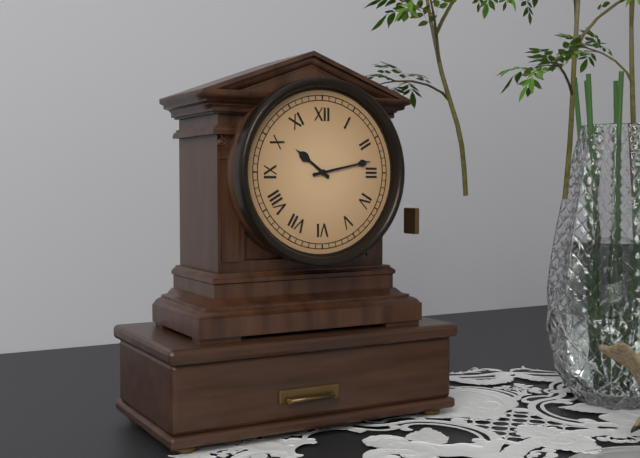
10:13
